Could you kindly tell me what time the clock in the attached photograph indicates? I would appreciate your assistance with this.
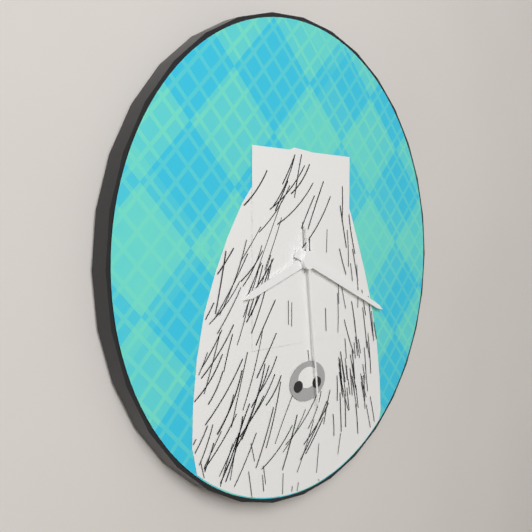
8:19:29
